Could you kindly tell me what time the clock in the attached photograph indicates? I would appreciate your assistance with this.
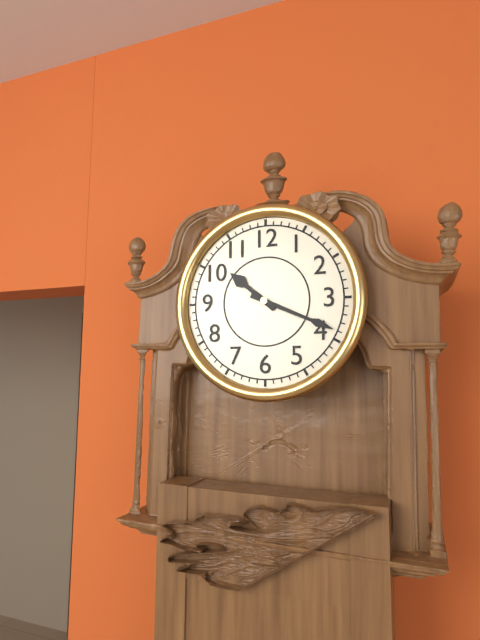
10:19
